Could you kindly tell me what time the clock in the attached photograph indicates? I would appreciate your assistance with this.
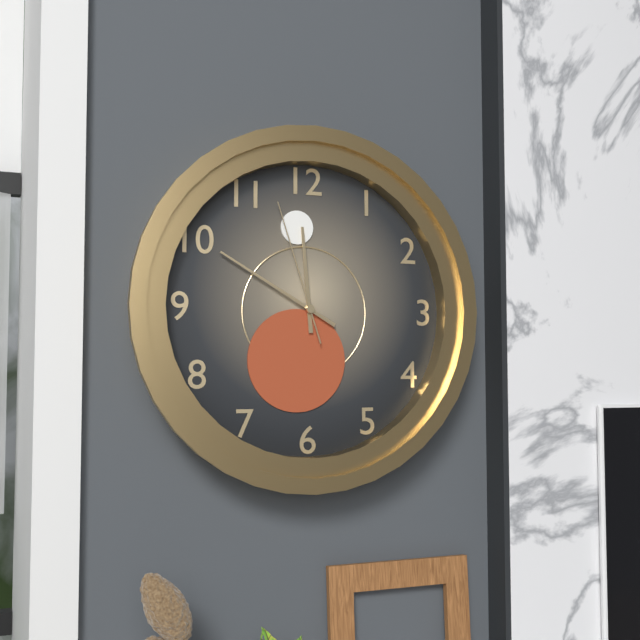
11:50:57
